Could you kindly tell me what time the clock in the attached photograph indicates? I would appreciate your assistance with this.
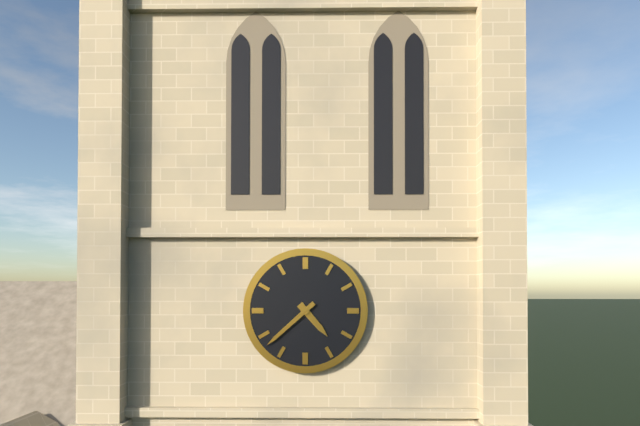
4:38
